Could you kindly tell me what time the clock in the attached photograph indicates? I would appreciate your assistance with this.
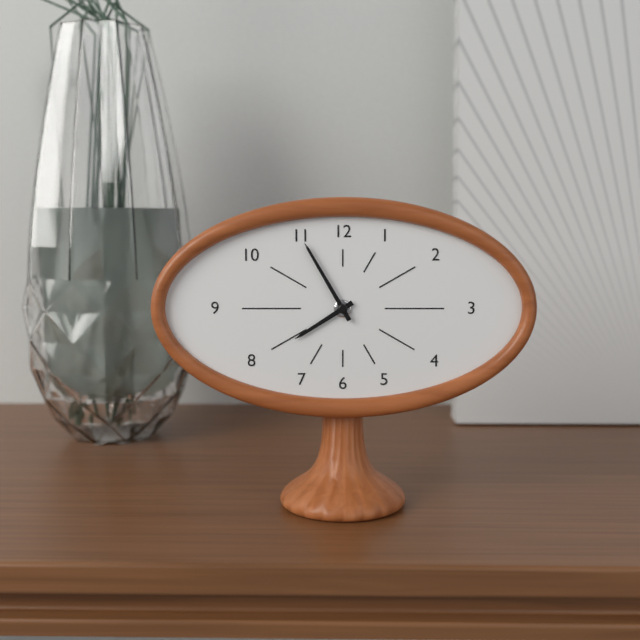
7:55
